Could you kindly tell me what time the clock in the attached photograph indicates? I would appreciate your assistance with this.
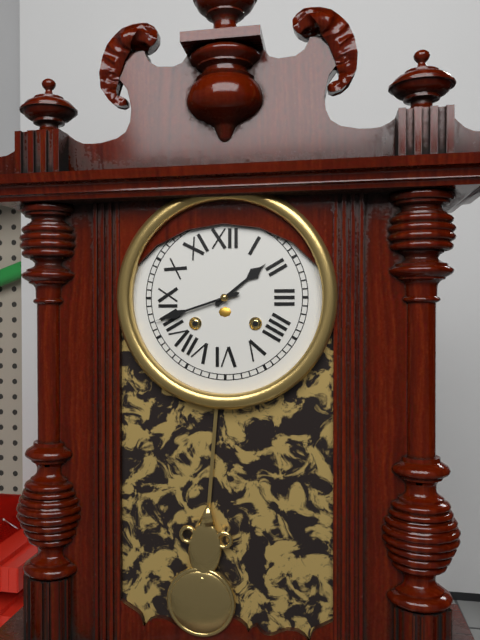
1:42
